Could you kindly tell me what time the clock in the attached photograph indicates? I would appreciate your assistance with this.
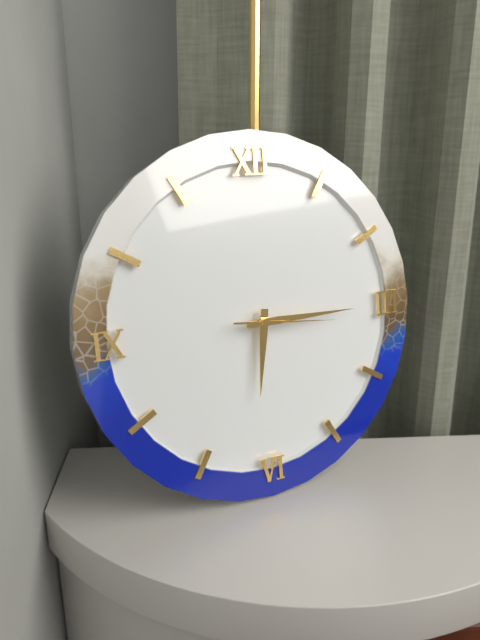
6:15:16
